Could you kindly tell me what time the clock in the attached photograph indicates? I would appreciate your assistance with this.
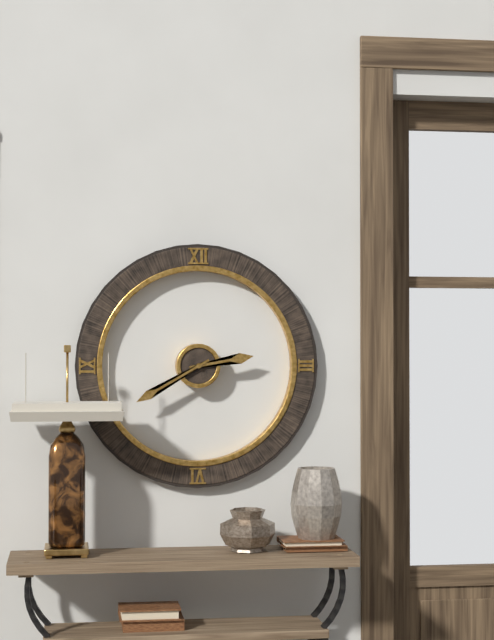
2:40
